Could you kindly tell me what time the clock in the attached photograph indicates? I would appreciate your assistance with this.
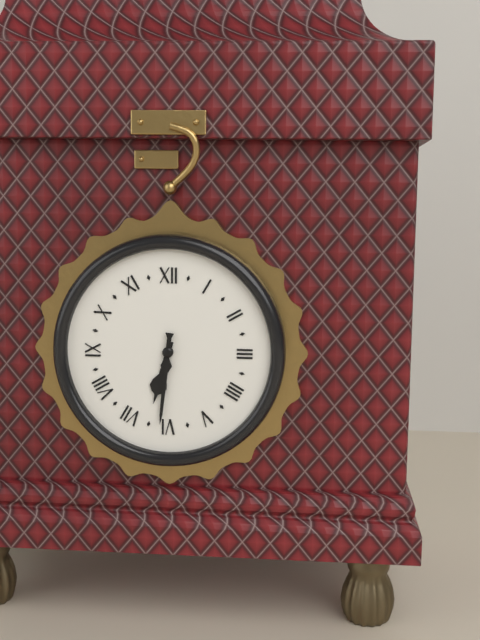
6:31
